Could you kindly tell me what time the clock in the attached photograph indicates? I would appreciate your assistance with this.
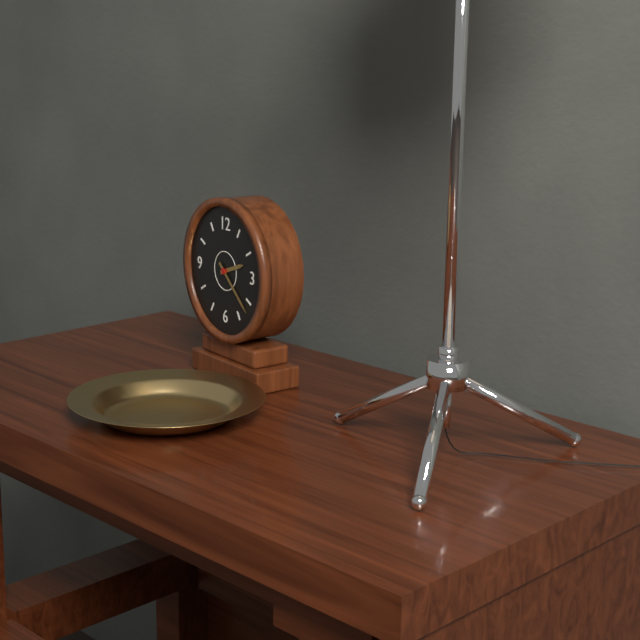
2:22
